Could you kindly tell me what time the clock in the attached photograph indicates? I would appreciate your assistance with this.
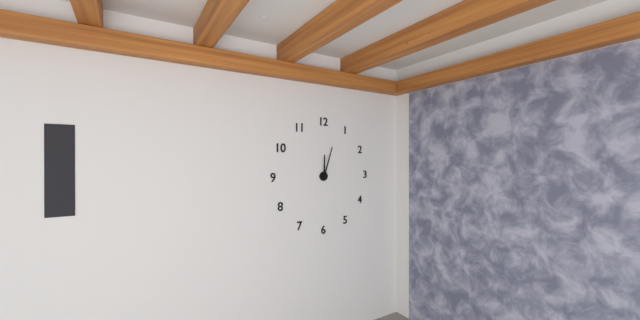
12:03
